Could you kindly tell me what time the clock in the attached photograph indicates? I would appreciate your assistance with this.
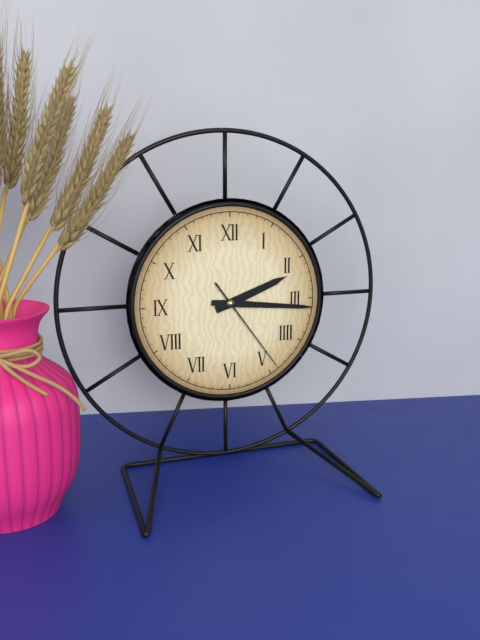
2:16:24
